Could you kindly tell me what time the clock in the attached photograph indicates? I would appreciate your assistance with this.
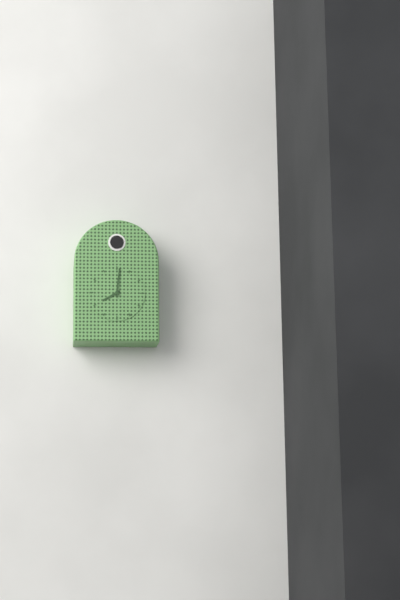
8:01
